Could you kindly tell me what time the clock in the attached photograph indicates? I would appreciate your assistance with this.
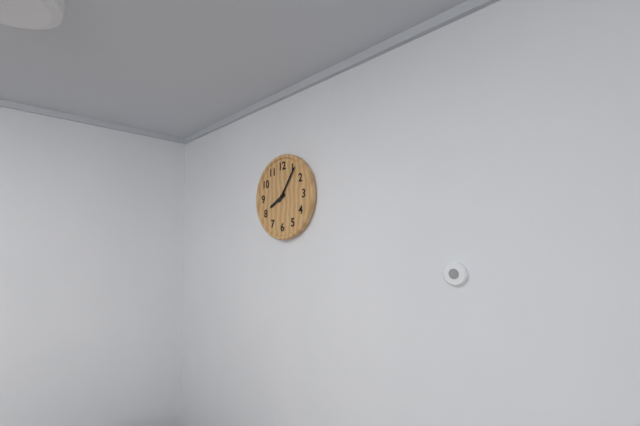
8:06
